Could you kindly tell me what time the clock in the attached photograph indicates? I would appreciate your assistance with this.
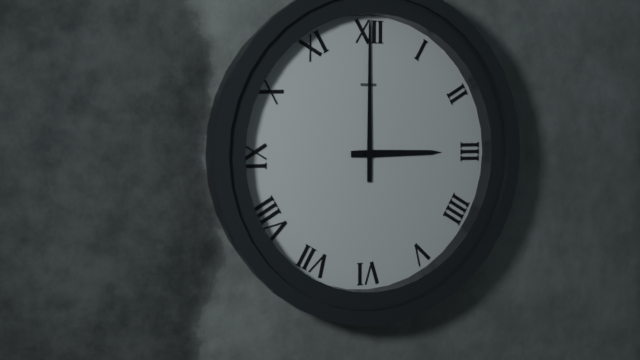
3:00
